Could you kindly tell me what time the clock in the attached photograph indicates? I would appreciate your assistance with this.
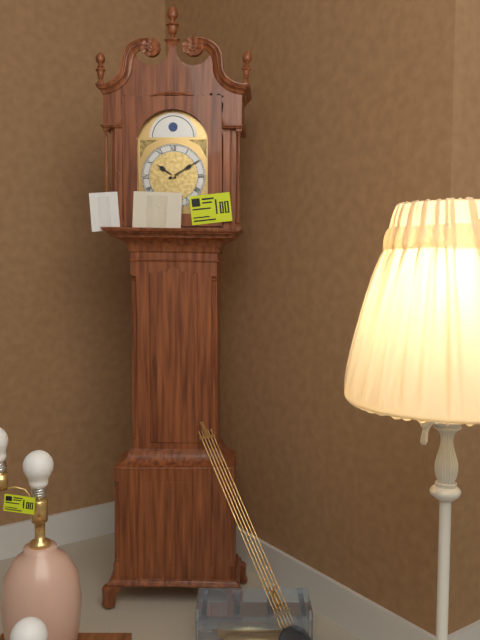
10:10
